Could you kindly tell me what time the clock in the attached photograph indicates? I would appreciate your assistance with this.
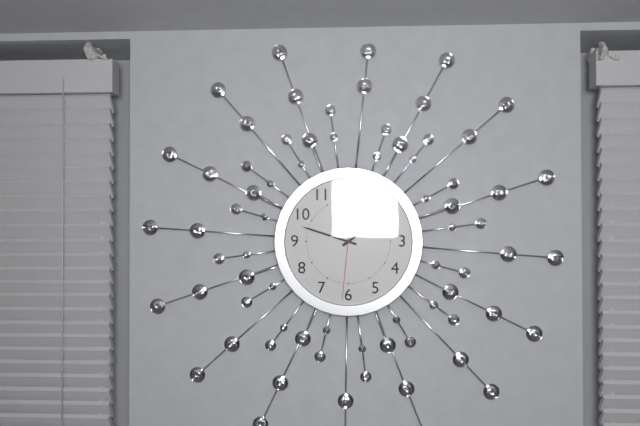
1:48:31
